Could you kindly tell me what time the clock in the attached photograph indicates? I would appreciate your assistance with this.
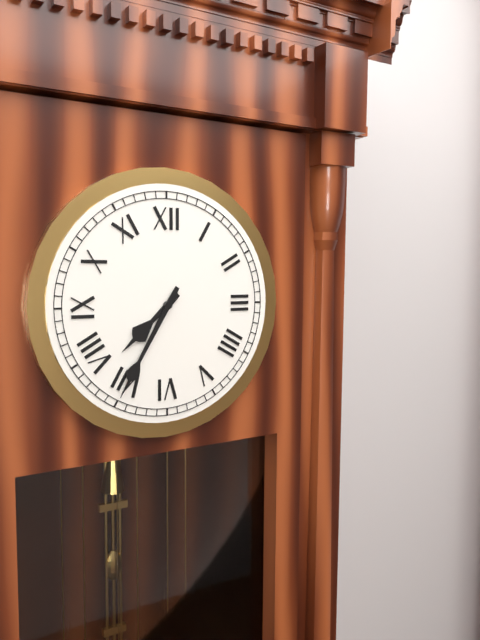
7:35
